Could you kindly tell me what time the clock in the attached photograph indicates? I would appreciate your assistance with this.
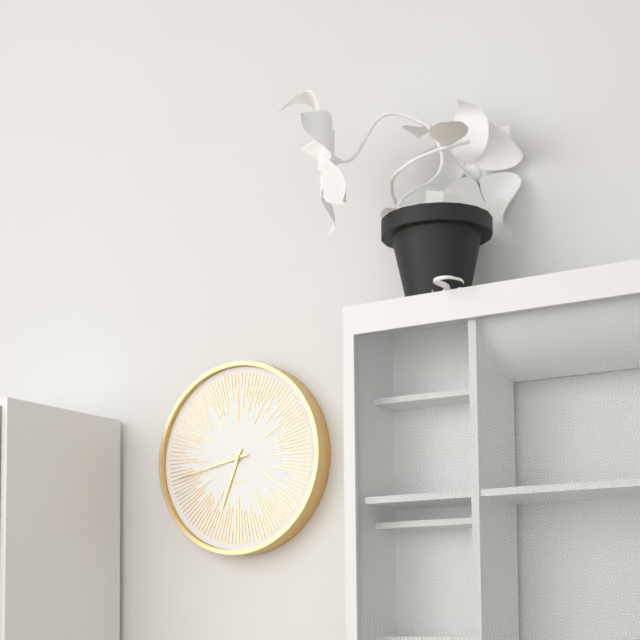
6:43
